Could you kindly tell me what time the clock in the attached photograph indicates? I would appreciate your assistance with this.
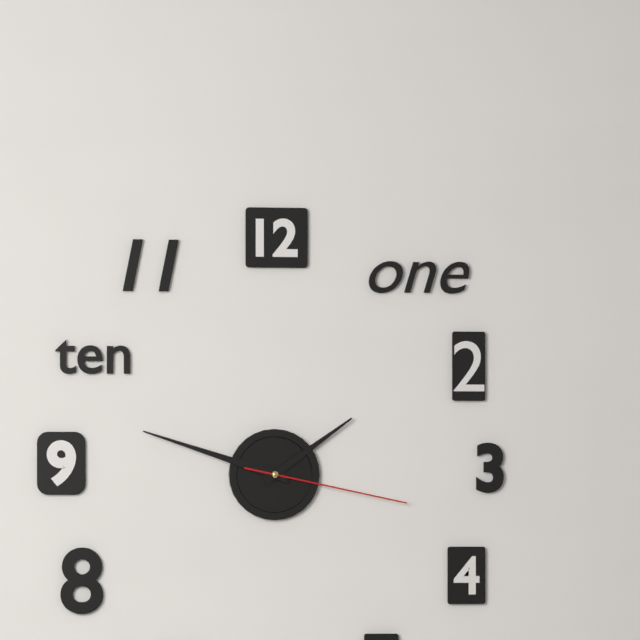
1:48:17
